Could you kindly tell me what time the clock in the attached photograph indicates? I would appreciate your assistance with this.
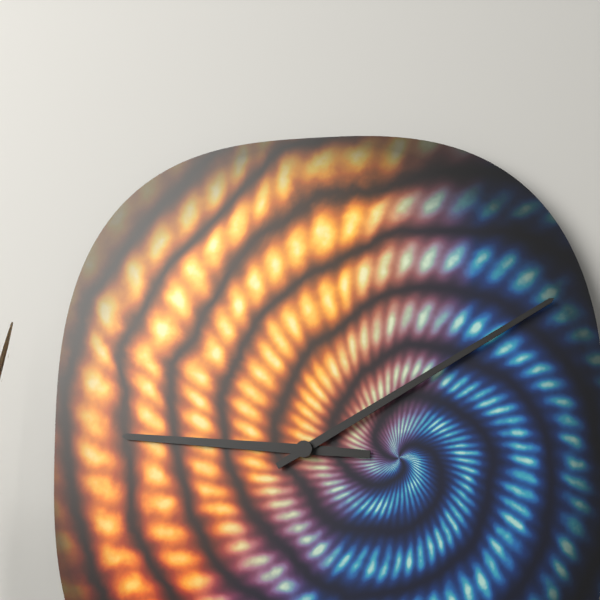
9:10
